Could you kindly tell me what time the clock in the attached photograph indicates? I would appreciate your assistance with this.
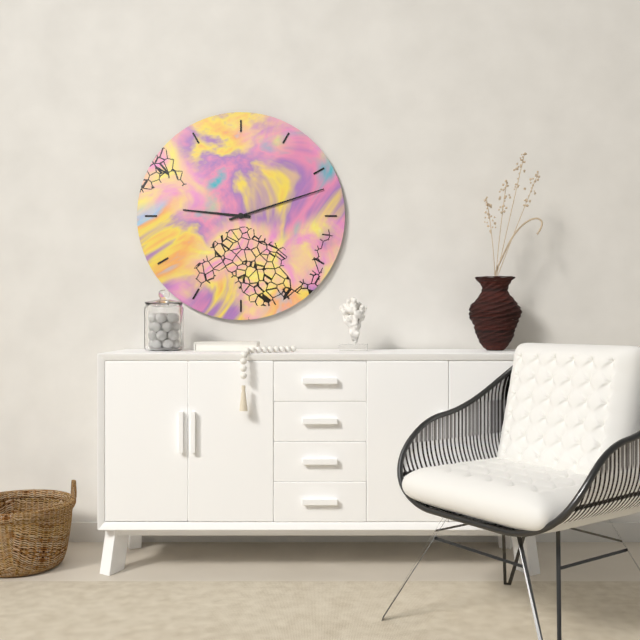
9:12
